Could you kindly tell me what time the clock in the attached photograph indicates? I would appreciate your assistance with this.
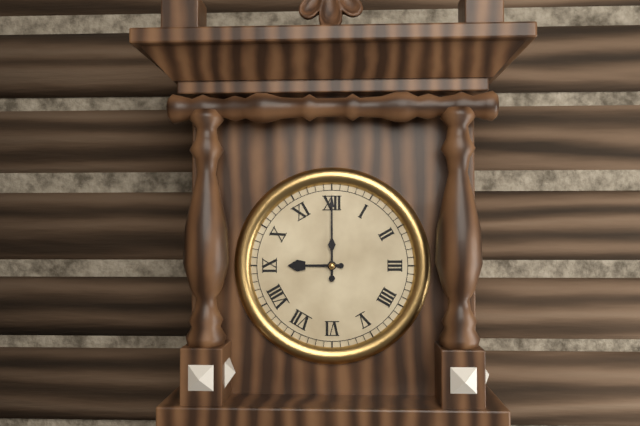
9:00
